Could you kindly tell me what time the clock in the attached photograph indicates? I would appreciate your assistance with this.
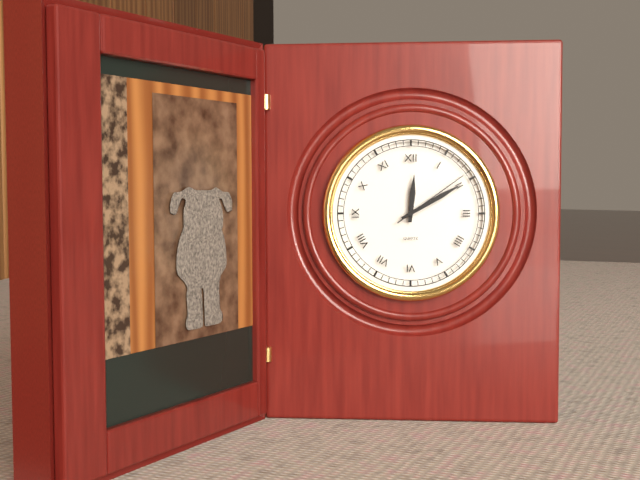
12:10:09
